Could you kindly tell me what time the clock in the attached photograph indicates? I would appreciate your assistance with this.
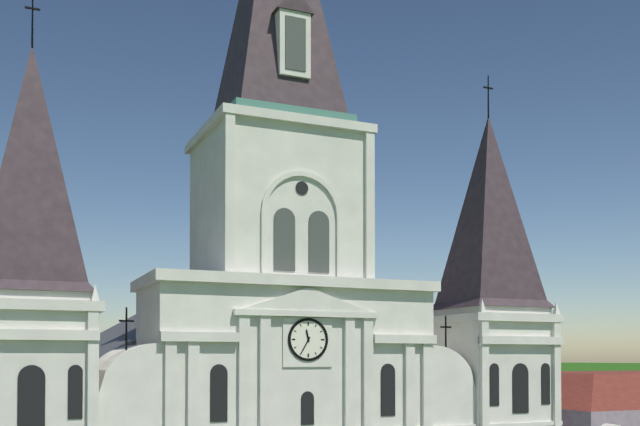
11:35
